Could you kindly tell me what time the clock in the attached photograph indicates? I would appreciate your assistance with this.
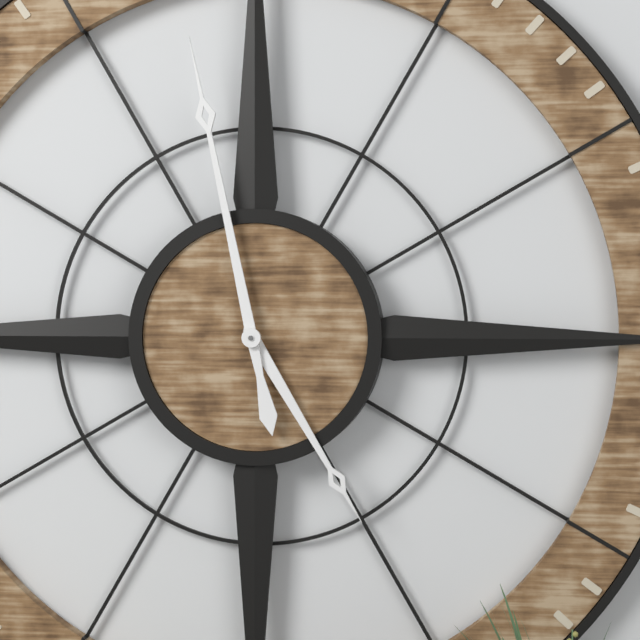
4:58
